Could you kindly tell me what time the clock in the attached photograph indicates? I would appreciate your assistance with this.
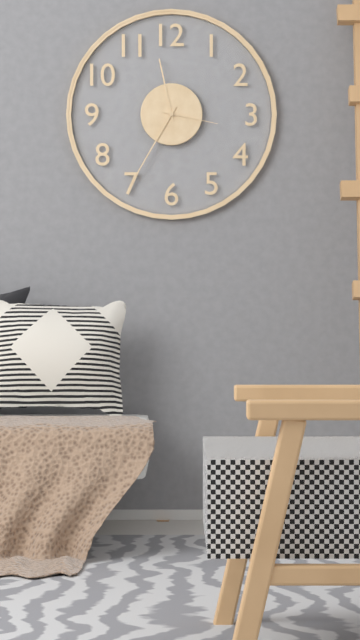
11:35:17
